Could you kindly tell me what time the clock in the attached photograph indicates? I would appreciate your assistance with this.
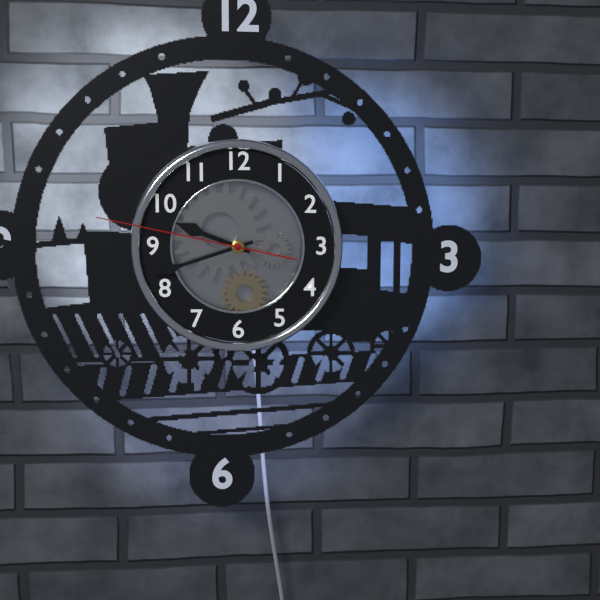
9:42:47
